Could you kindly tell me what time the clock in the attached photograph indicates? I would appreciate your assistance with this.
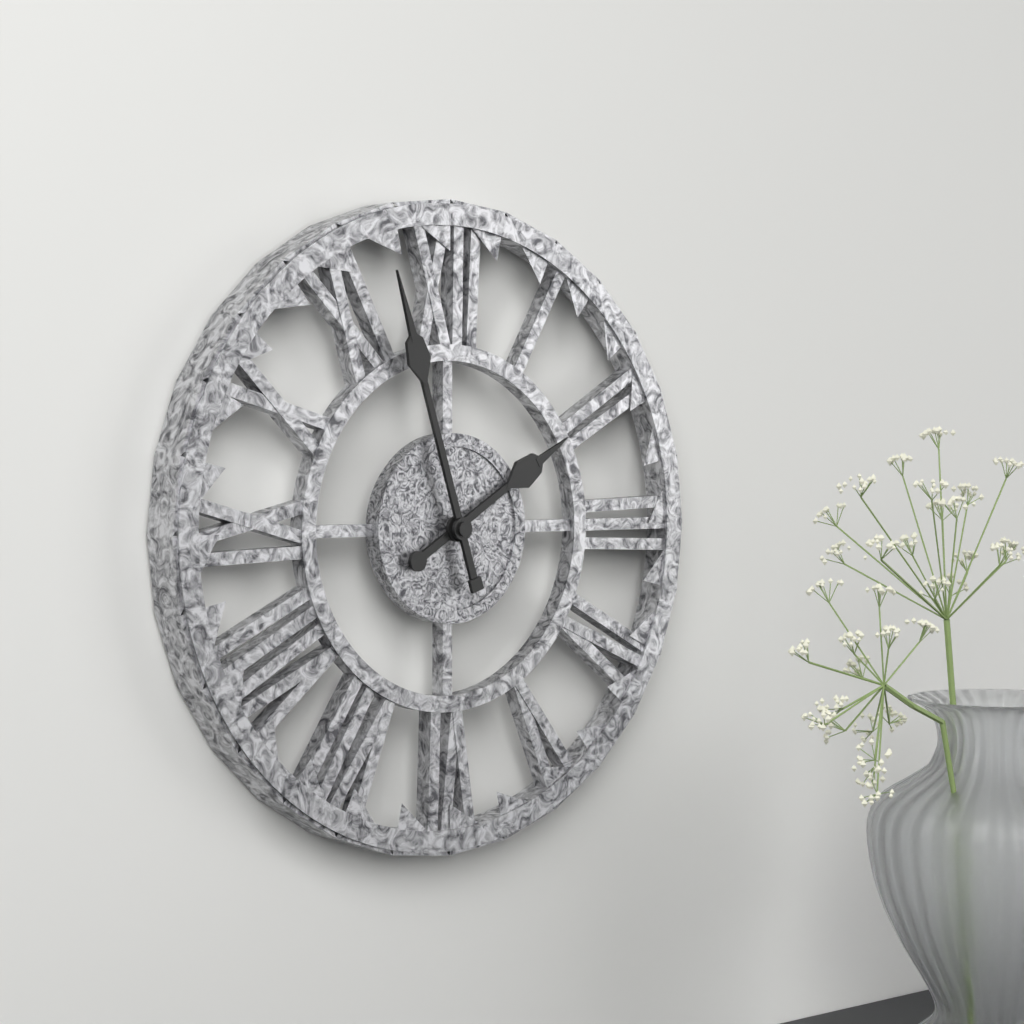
1:57
